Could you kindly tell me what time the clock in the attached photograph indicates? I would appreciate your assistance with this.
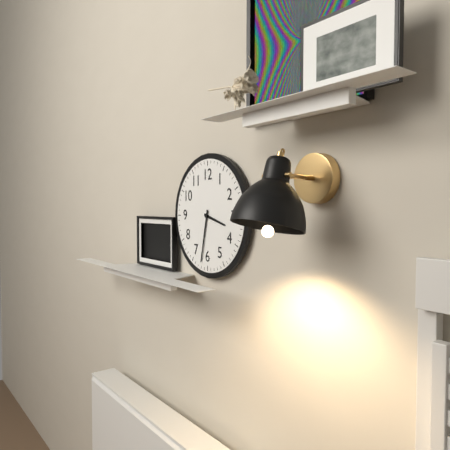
3:32
